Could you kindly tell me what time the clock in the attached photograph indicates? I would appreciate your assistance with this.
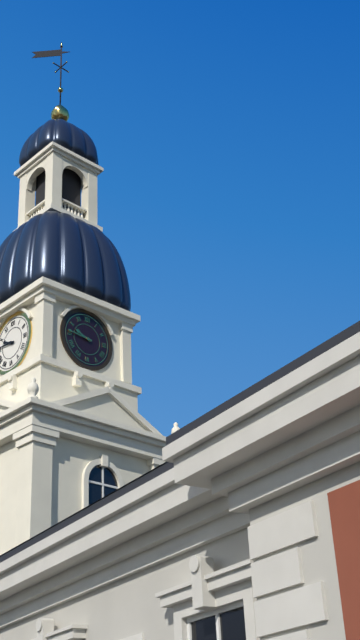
9:46
